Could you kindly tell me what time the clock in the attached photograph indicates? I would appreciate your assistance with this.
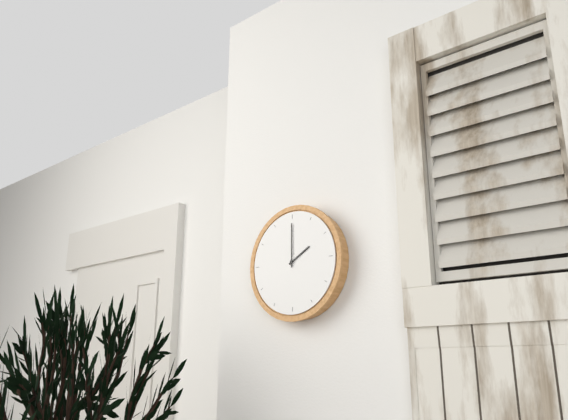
2:00
